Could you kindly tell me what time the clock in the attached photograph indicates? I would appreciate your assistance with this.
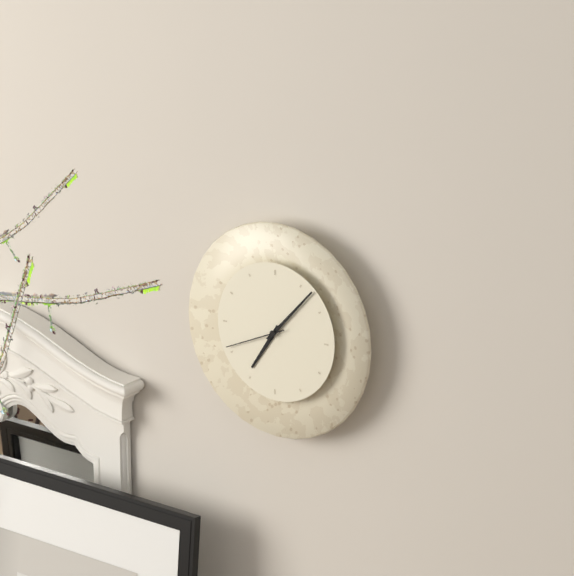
7:07:41
